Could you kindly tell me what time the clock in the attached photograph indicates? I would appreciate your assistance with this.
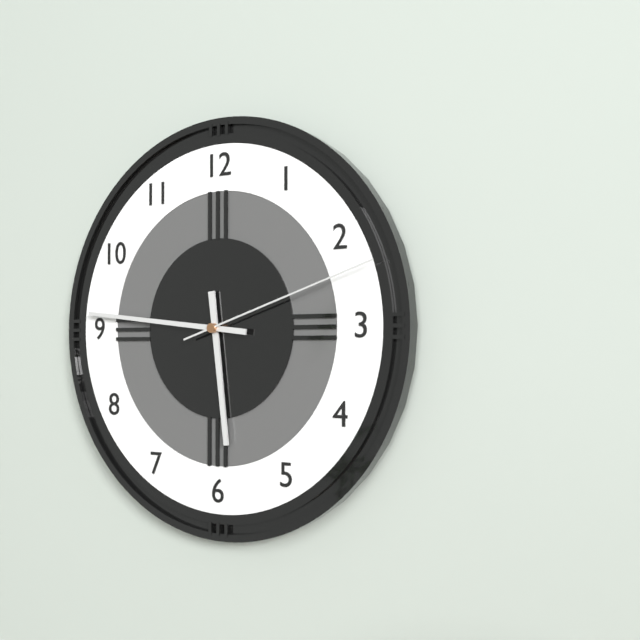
5:46:12
